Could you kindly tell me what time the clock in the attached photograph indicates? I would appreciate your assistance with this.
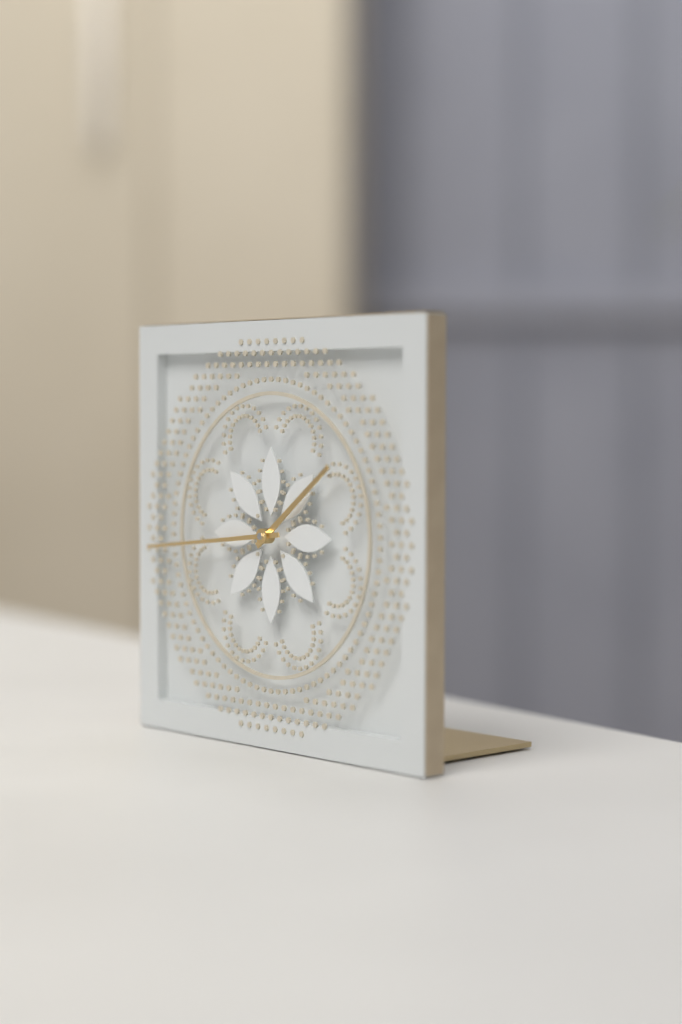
1:44
